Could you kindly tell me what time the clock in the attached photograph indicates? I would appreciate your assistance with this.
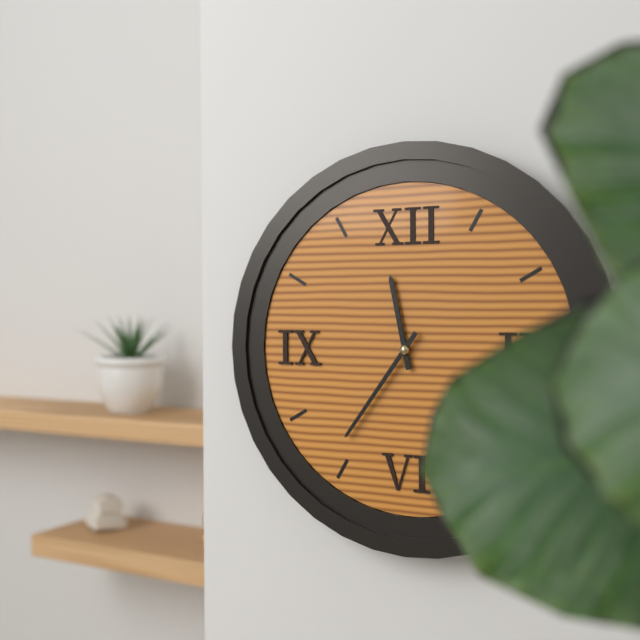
11:36
